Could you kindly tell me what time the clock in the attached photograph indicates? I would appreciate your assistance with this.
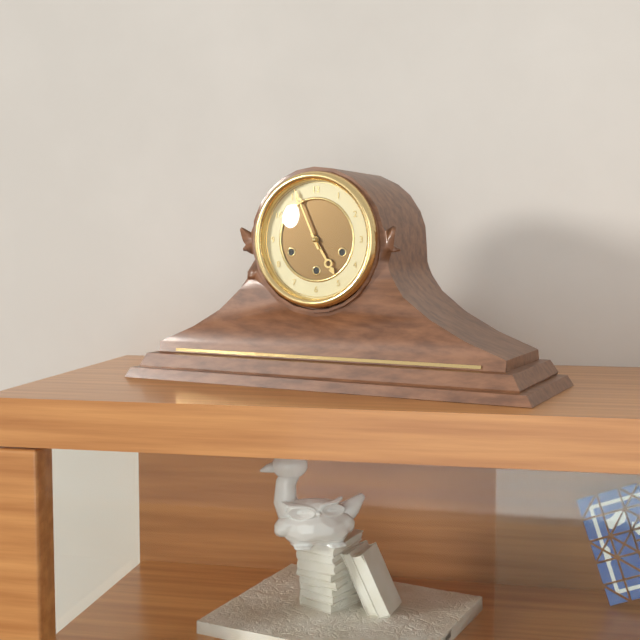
4:56
